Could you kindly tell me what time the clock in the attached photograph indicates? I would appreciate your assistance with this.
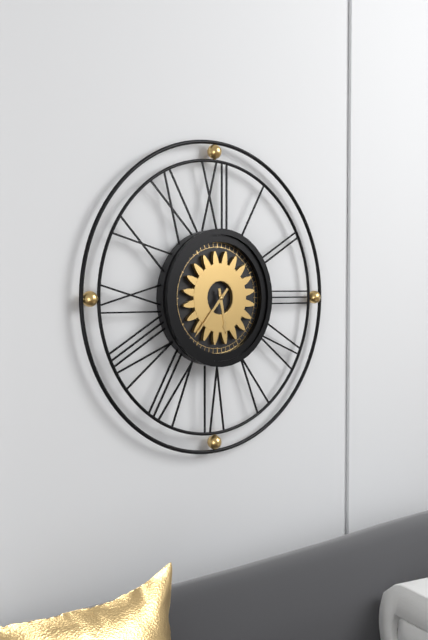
5:37
